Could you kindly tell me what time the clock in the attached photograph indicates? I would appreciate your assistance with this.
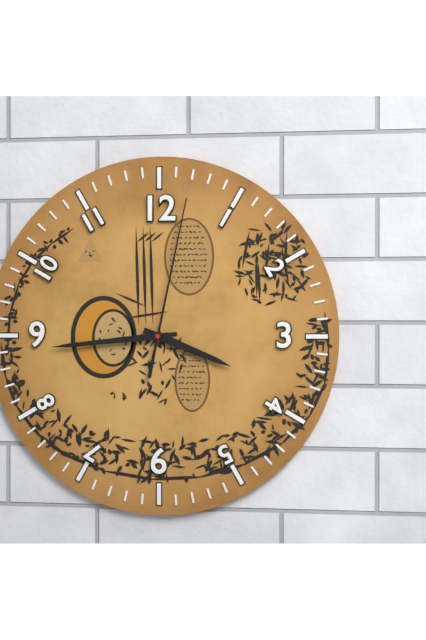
3:44:02
